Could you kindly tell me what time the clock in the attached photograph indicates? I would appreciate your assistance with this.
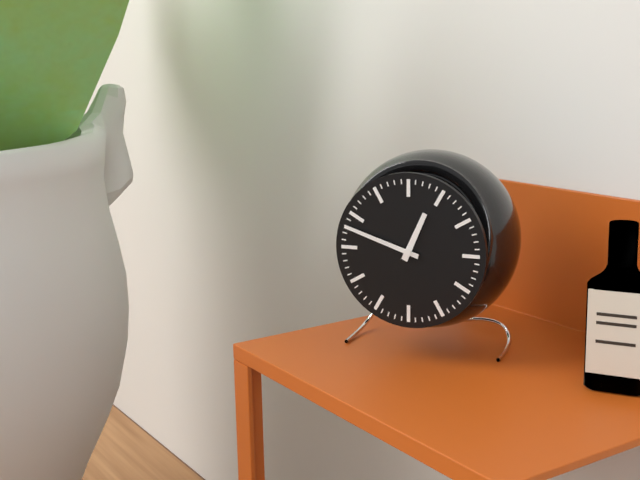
12:48
